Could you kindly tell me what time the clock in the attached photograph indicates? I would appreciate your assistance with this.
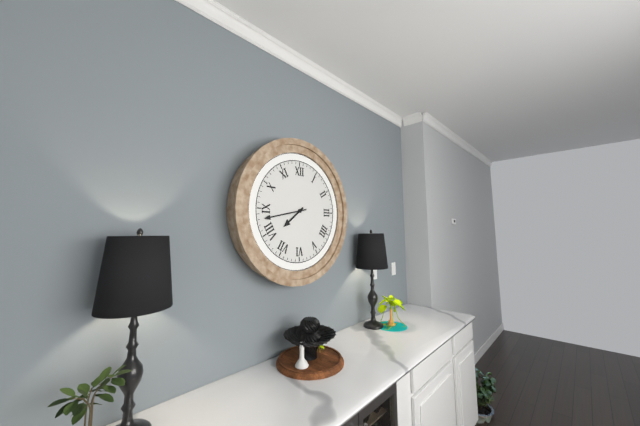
7:43
